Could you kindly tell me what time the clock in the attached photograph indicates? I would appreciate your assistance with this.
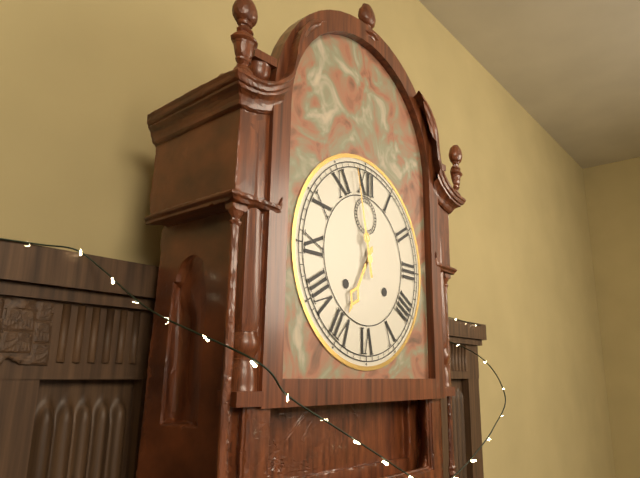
6:58
